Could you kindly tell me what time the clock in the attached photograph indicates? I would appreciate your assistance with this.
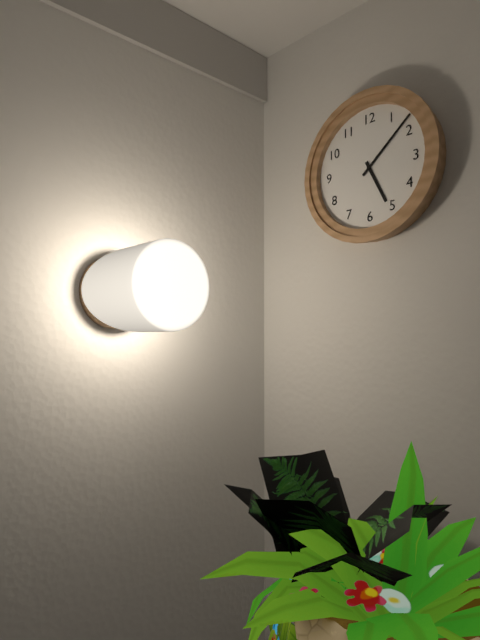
5:08
